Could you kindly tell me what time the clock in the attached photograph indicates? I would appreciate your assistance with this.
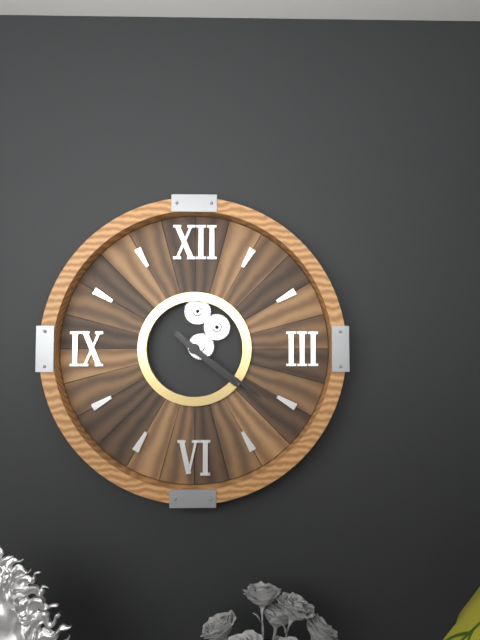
4:21
